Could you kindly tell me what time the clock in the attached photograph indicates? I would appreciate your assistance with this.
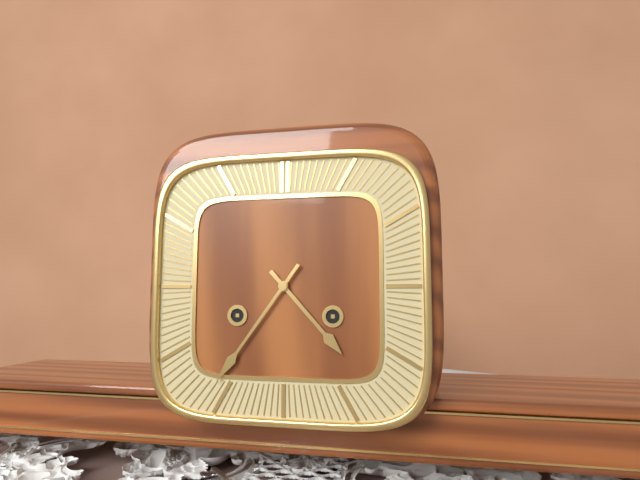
4:36
